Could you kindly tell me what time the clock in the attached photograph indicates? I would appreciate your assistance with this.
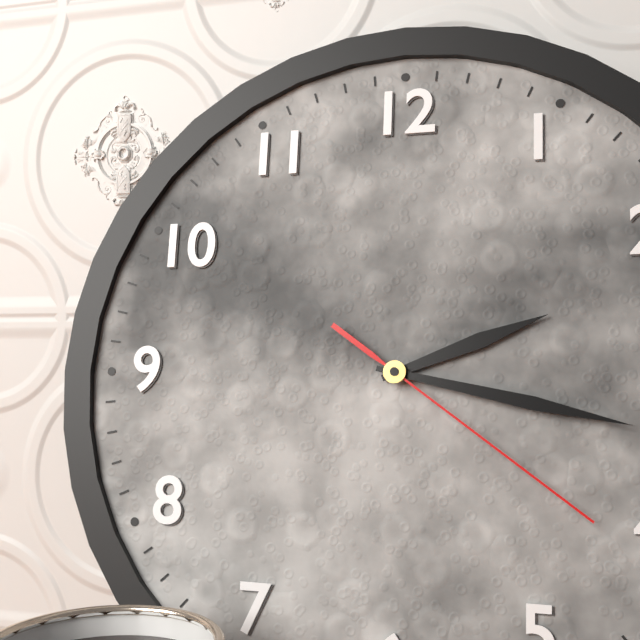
2:17:21
